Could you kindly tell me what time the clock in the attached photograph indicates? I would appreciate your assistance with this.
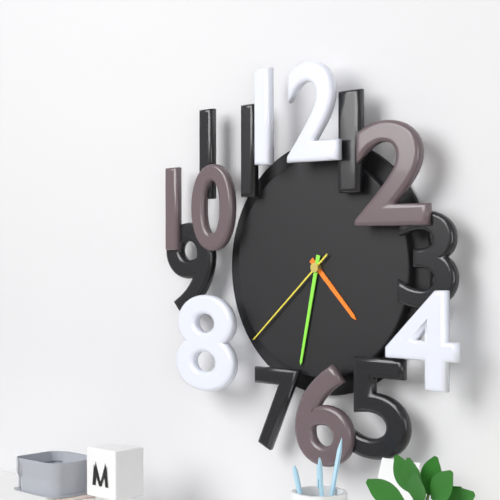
4:32:38
